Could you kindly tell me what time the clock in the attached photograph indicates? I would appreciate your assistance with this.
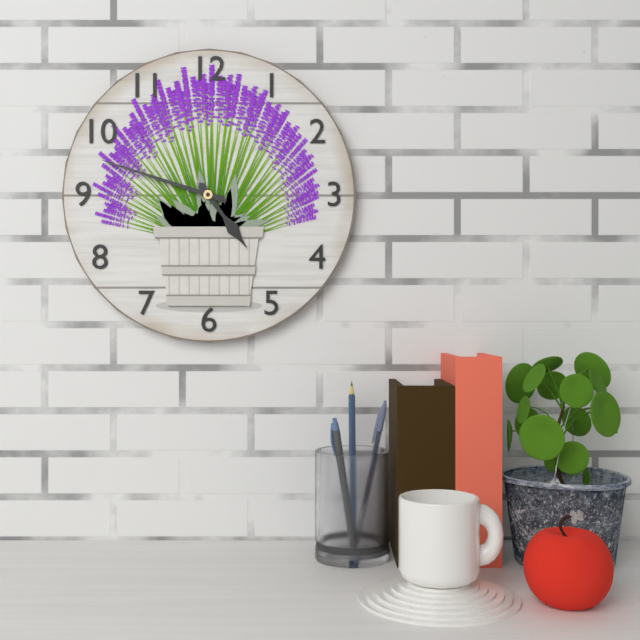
4:48
